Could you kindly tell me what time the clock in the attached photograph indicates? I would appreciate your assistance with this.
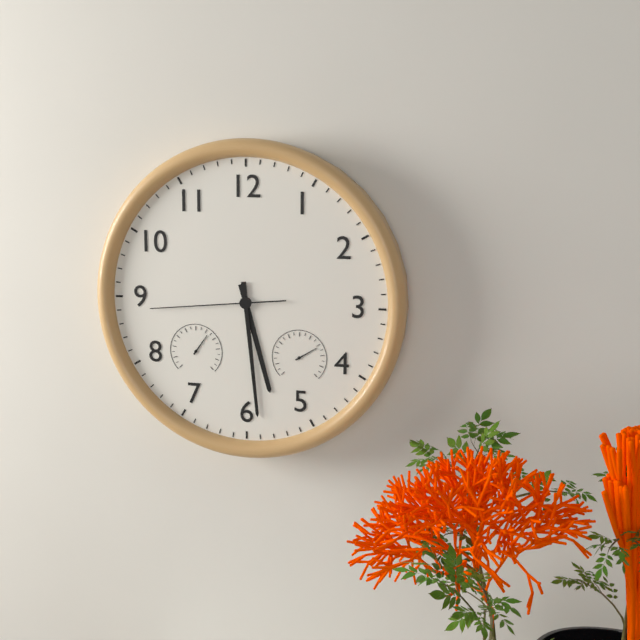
5:29:44
